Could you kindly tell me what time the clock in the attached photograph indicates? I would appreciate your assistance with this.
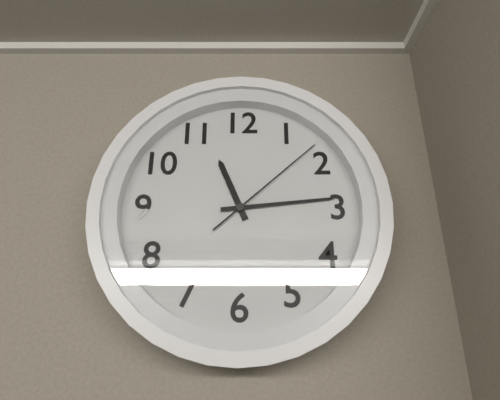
11:14:08
